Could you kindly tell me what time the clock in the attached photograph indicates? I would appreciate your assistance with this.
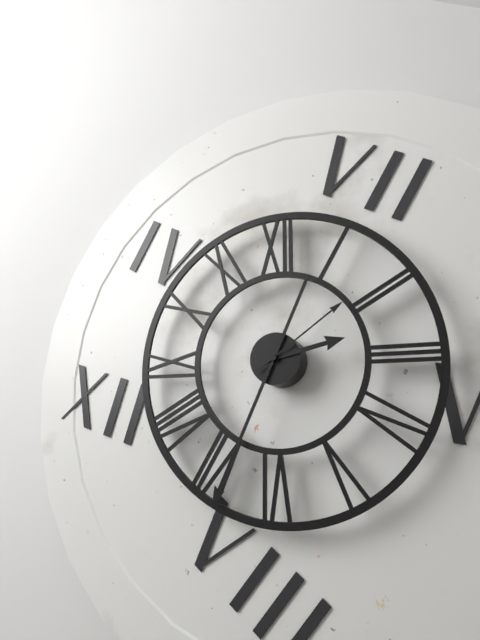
2:34:09
